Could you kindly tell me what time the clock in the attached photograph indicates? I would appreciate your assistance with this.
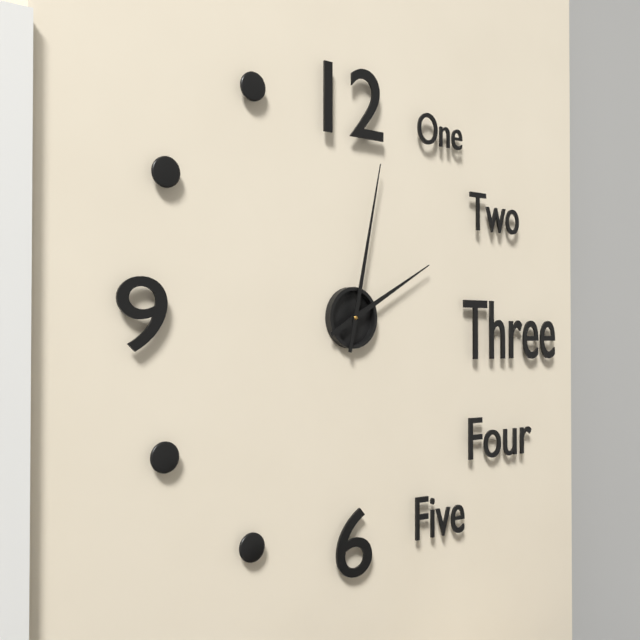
2:02
